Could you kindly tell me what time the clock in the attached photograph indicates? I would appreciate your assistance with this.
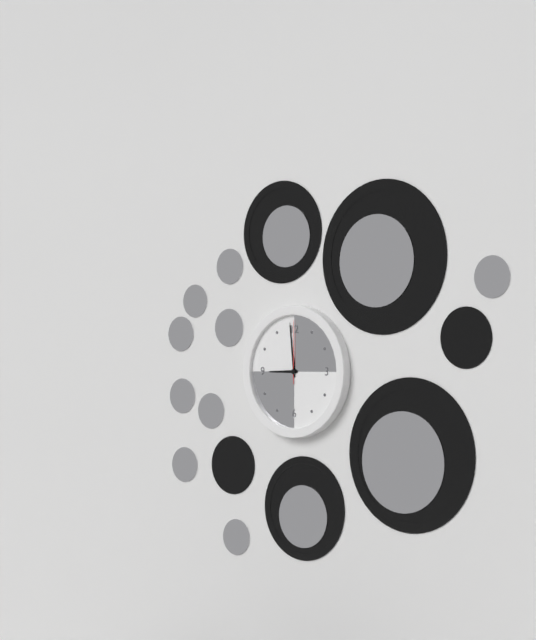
8:59:00
